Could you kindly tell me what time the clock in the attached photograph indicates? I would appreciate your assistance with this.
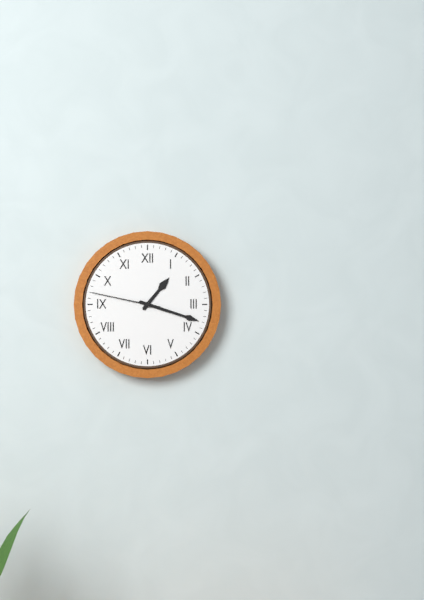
1:18:47
